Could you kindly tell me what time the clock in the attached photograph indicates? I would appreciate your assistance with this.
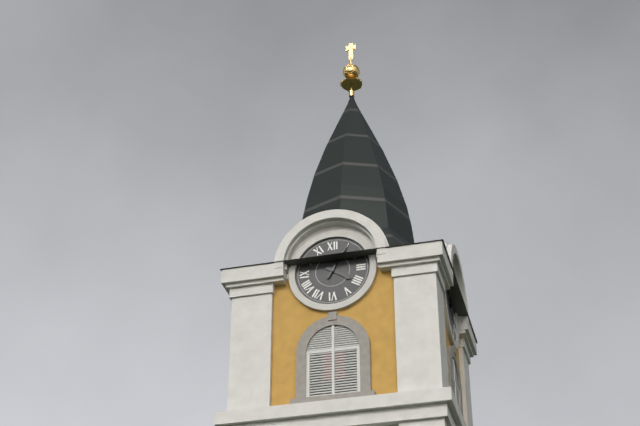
4:05
